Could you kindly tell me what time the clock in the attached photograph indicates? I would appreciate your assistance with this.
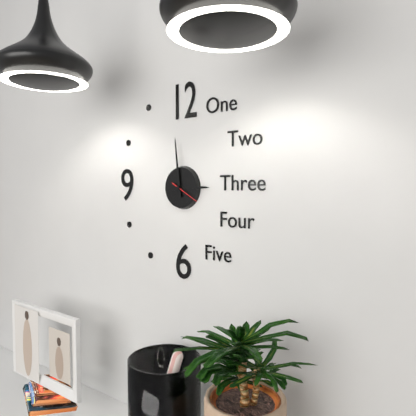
2:59
